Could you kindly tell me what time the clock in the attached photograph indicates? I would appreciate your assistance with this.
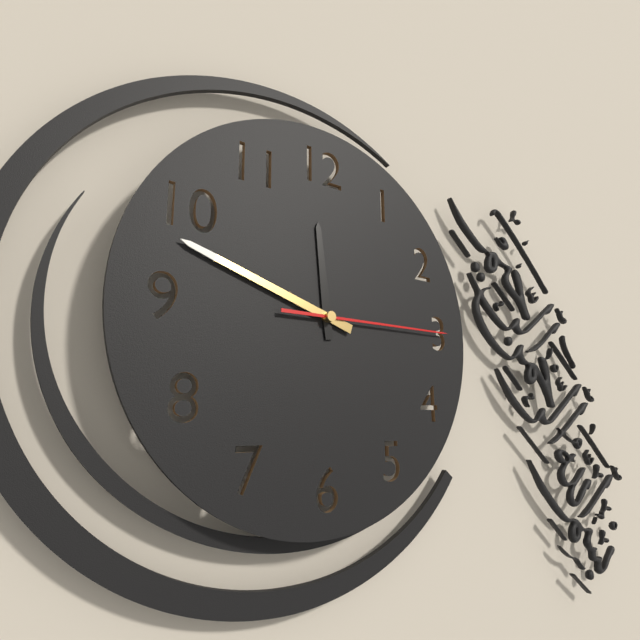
11:48:15
